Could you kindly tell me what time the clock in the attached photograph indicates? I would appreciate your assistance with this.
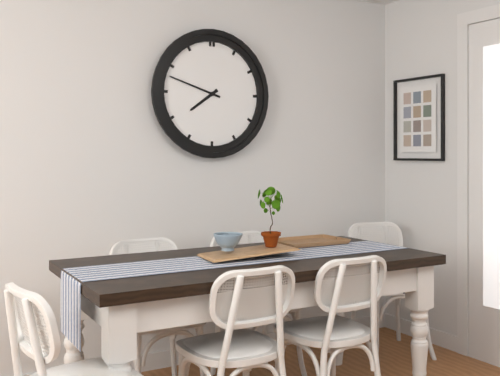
7:48
